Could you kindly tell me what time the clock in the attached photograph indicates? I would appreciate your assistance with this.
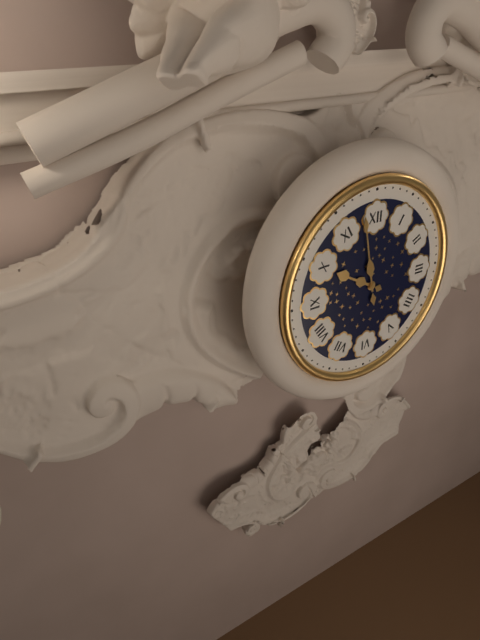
9:58
